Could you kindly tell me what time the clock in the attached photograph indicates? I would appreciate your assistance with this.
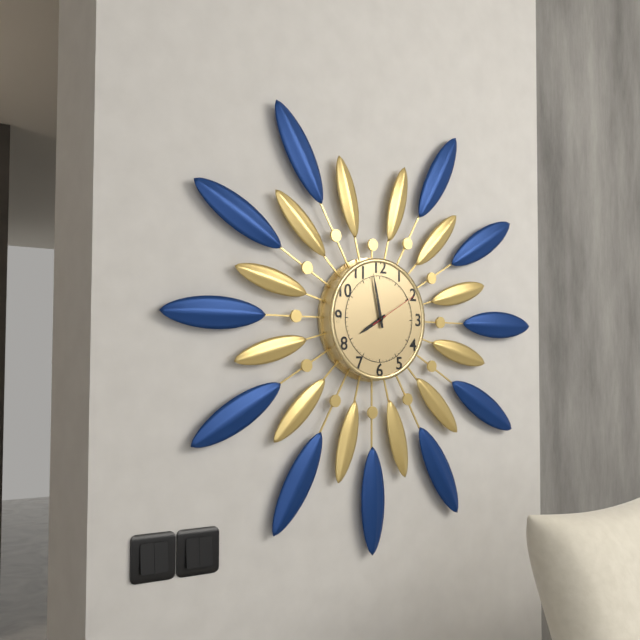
7:58
